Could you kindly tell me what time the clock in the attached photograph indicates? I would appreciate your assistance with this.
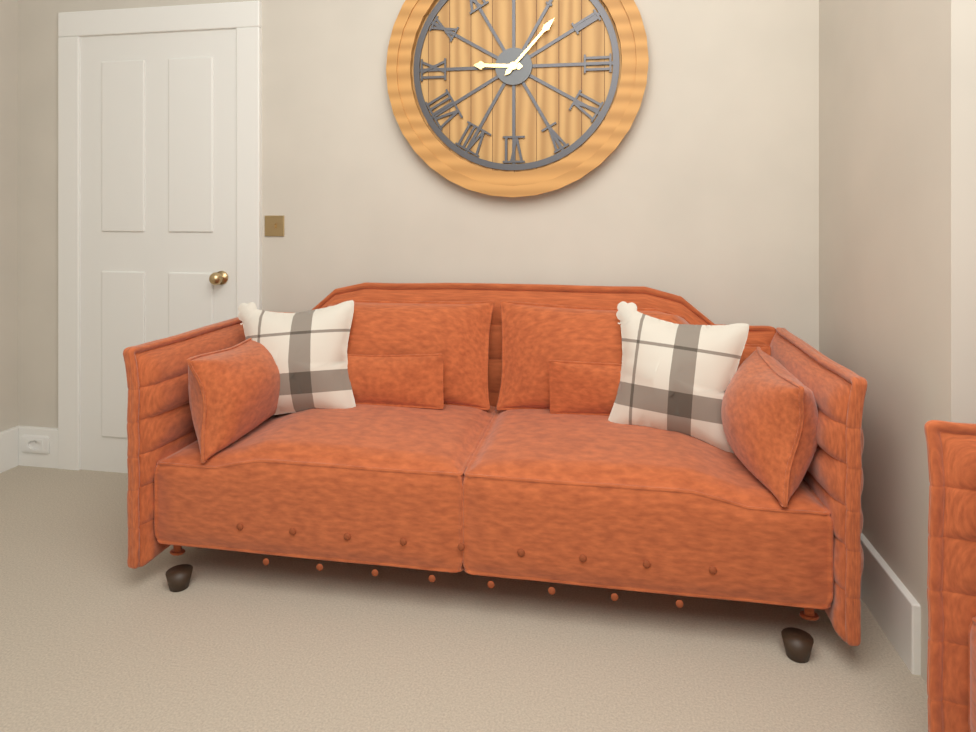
9:07
